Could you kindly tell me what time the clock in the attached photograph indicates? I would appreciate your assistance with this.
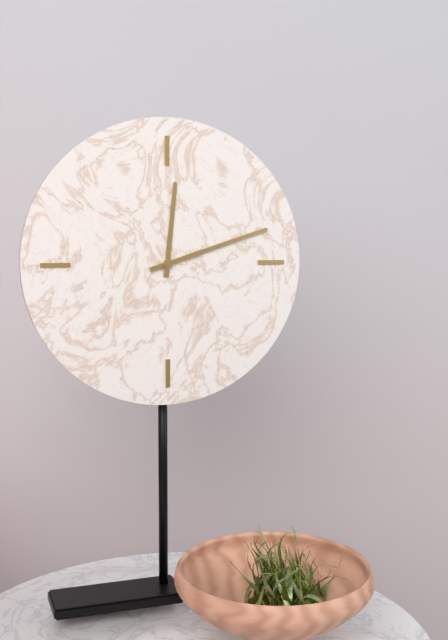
12:12
